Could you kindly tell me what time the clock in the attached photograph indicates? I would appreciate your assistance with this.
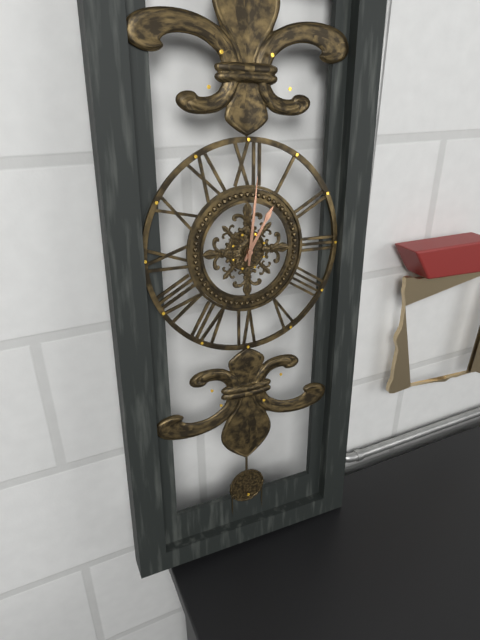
1:01
